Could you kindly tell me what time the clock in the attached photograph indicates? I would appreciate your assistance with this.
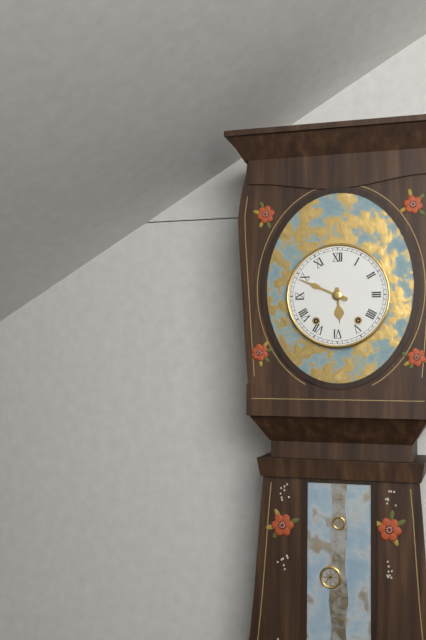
5:49
